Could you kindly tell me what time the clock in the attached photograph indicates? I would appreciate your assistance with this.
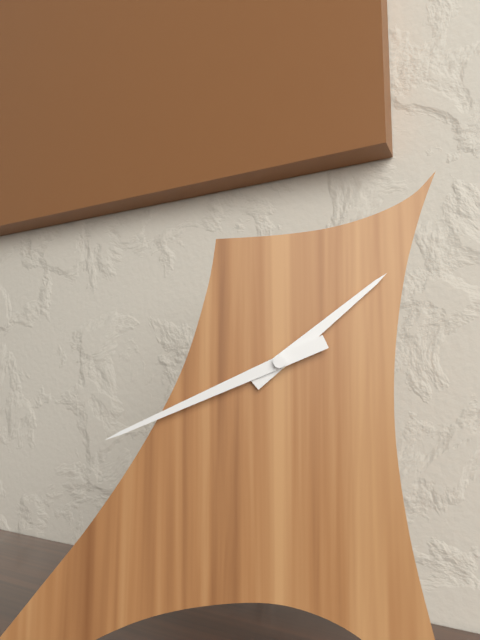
1:41
